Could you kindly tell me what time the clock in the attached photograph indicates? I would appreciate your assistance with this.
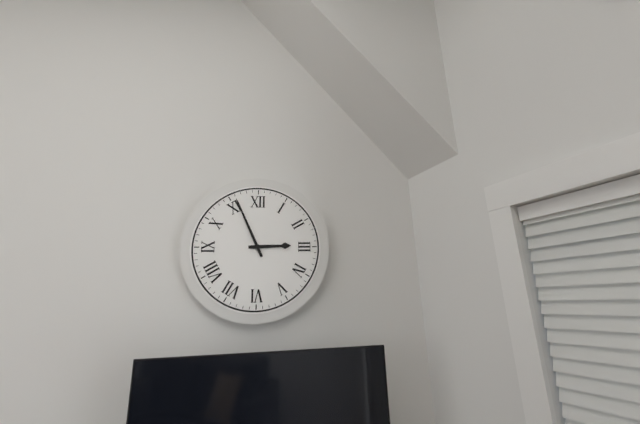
2:56
